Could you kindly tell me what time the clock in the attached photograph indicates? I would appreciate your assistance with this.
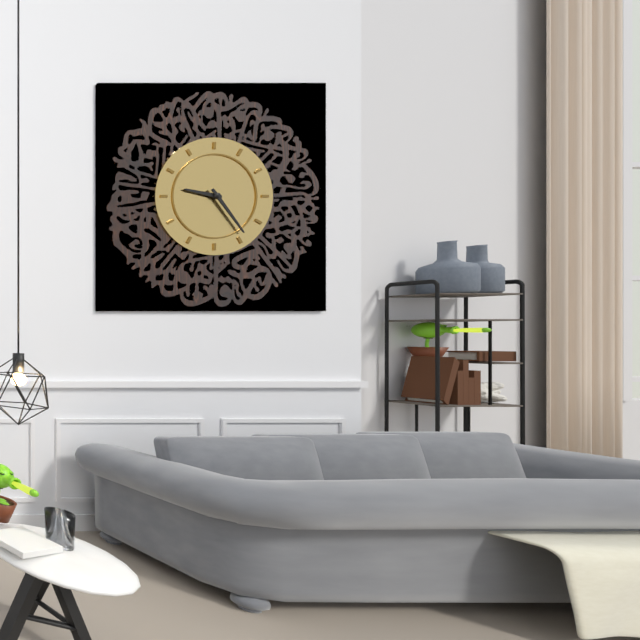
9:24
